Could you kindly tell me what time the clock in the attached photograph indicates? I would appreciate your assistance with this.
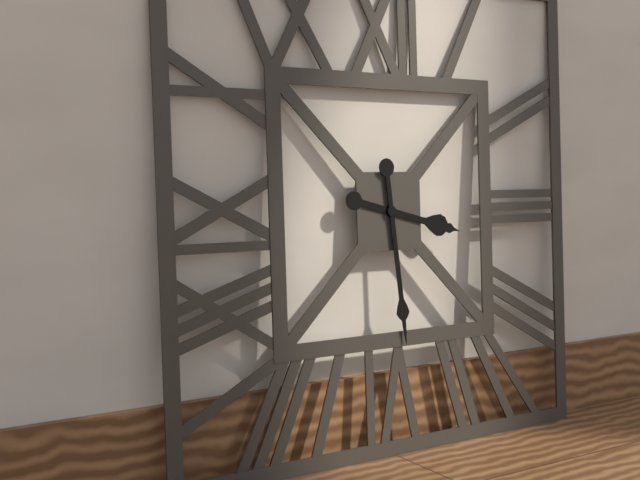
3:29
